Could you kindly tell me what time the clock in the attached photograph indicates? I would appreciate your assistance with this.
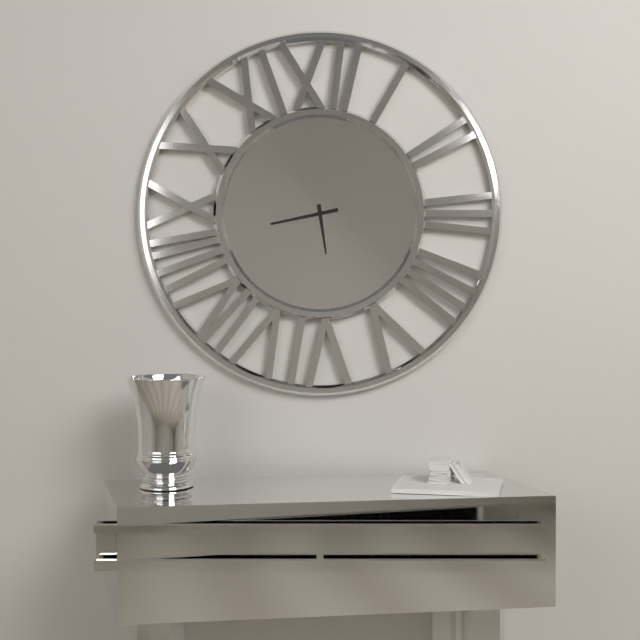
5:43
